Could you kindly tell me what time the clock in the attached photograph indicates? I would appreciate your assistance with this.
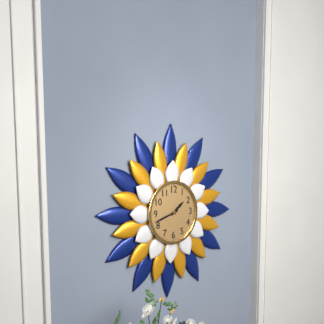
1:42
